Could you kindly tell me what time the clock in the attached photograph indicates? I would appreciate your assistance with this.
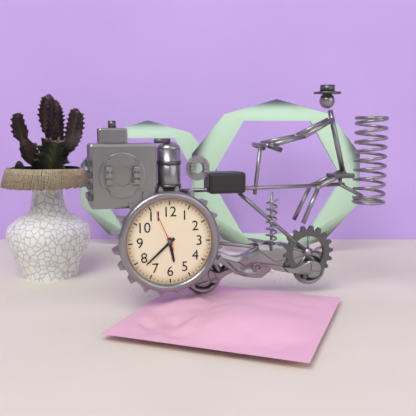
5:38
